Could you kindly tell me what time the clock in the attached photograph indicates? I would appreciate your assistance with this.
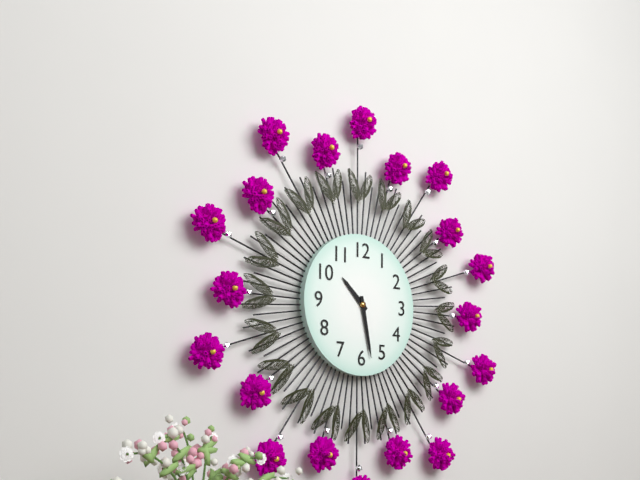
10:28
